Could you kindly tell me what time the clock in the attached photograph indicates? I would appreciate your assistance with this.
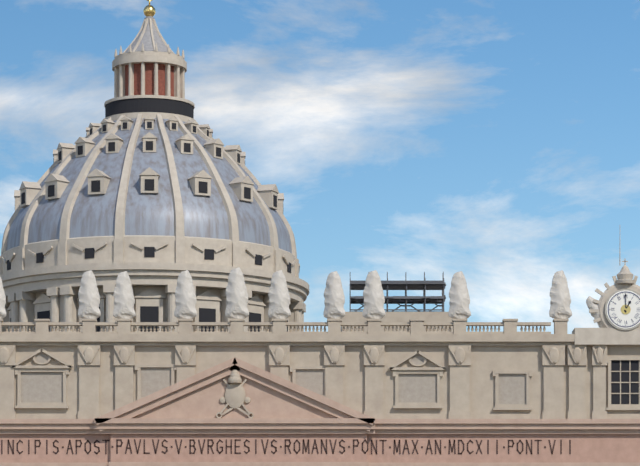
1:00
